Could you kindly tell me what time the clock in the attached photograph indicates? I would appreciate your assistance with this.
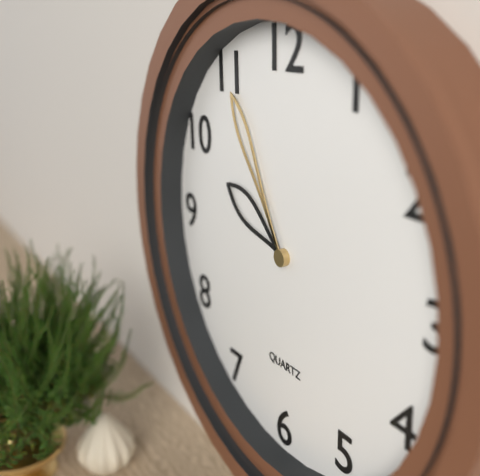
9:55
